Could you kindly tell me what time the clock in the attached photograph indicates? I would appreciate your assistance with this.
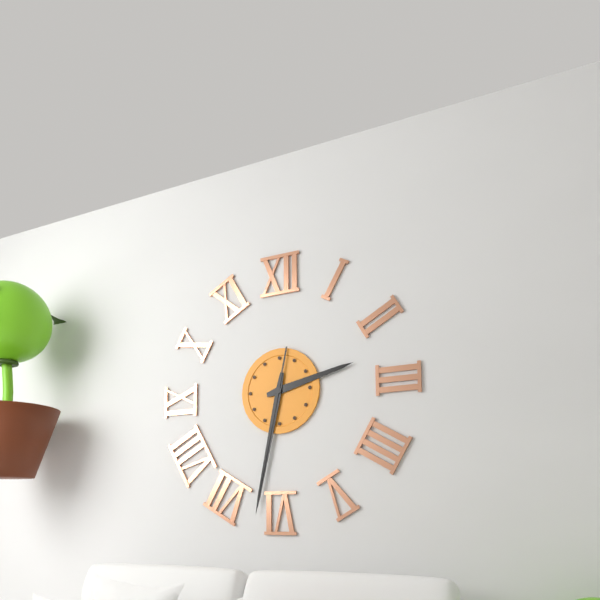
2:32:32
